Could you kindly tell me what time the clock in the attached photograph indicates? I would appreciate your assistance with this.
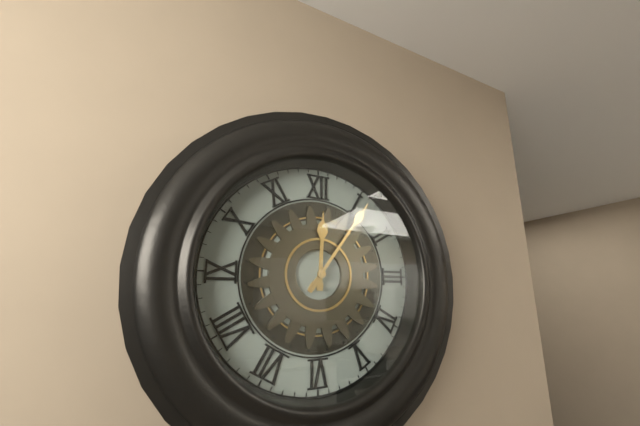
12:06
